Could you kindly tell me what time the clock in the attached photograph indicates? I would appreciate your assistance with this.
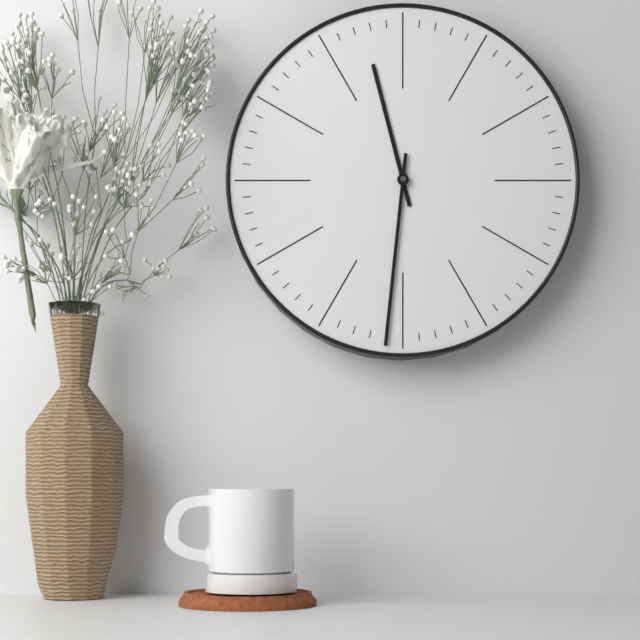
11:31
